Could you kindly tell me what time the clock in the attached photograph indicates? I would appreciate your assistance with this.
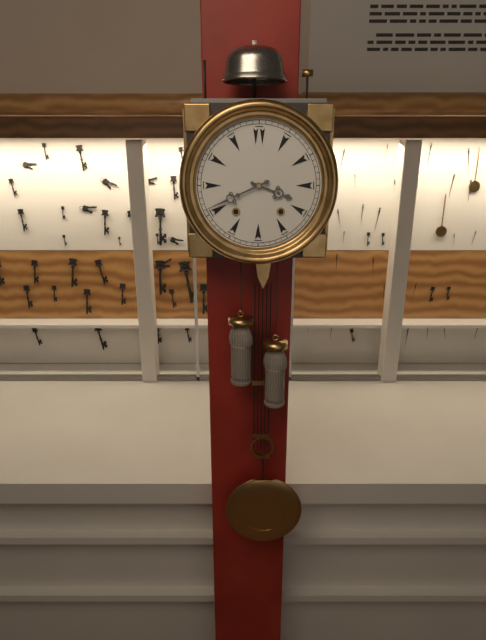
3:41
